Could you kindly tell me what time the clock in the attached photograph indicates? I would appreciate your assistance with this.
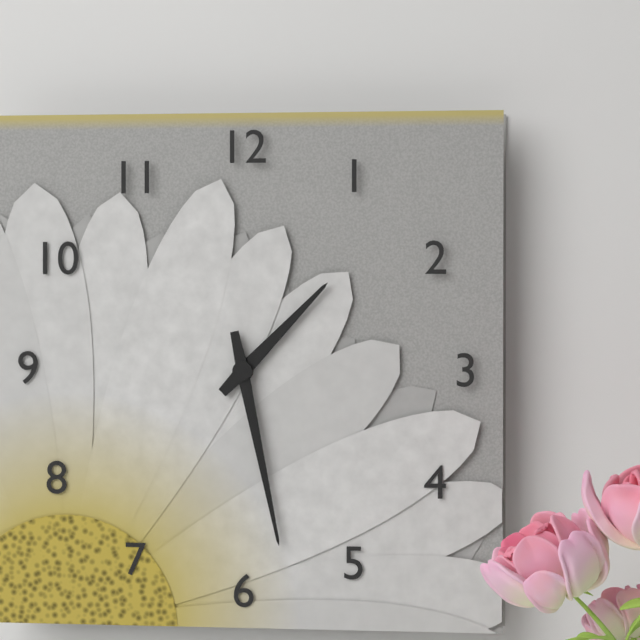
1:28
